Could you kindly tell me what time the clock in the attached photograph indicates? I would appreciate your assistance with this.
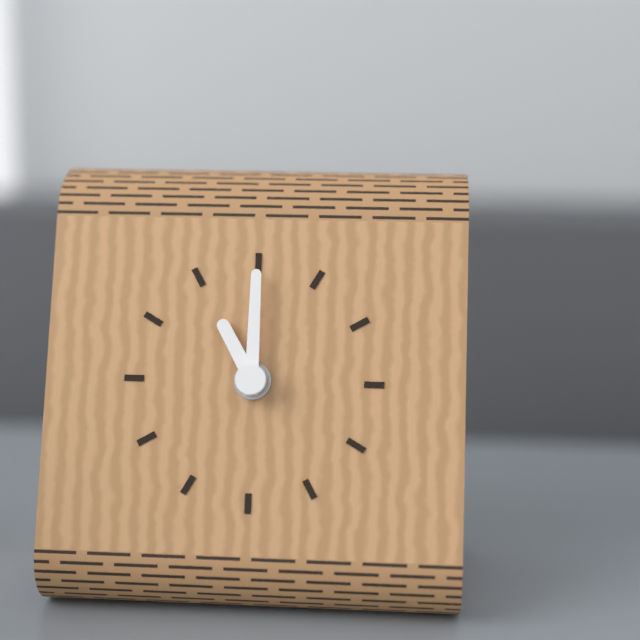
11:00
